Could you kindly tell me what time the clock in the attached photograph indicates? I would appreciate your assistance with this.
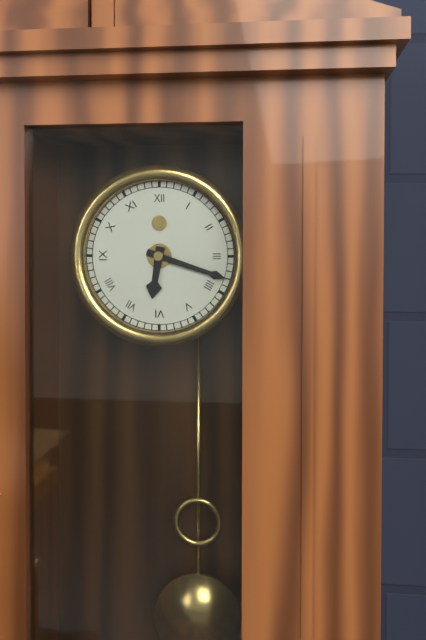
6:18
